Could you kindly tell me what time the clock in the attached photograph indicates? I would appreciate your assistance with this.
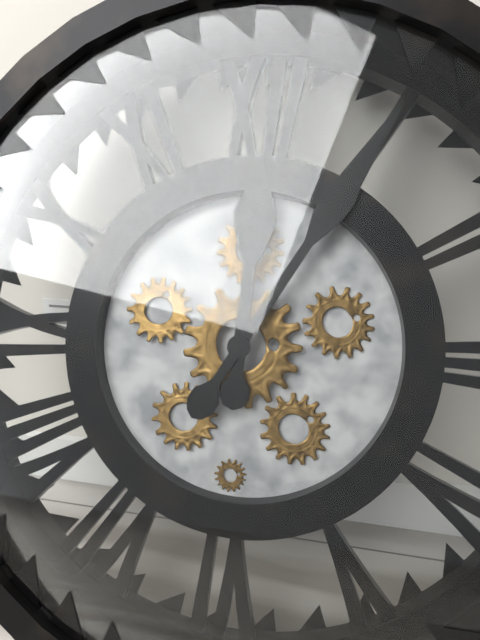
12:05
